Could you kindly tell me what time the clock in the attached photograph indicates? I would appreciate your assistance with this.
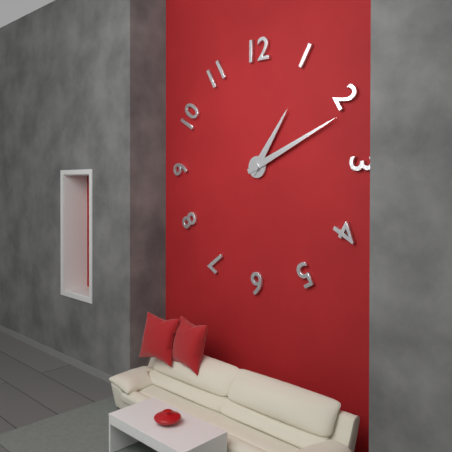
1:11
